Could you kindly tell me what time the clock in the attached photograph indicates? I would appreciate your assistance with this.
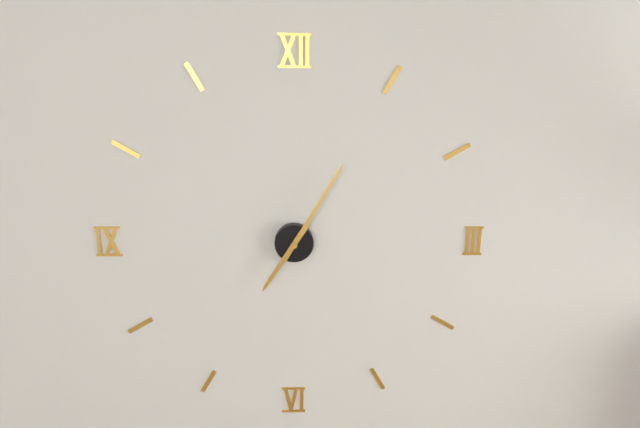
7:05
